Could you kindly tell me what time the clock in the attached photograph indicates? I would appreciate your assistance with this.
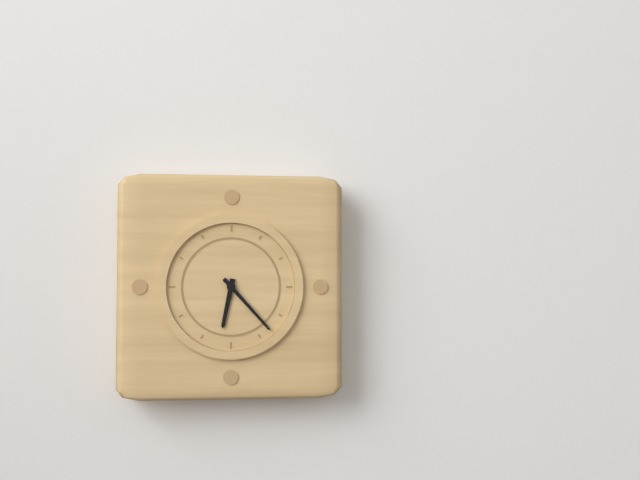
6:23
